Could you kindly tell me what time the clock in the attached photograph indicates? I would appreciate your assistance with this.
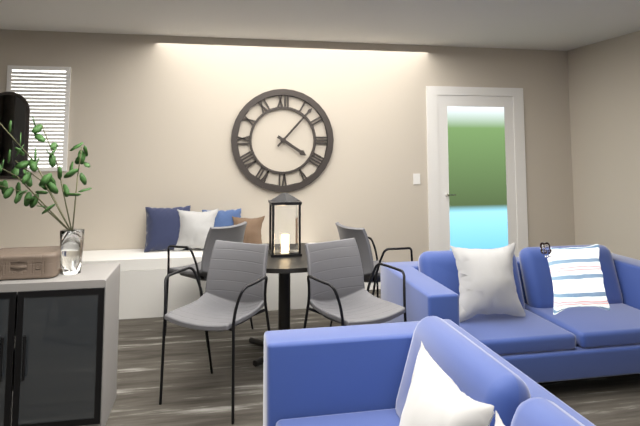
4:07
